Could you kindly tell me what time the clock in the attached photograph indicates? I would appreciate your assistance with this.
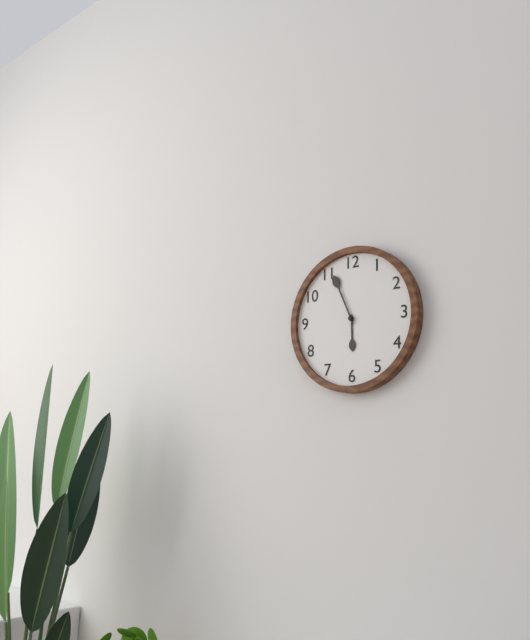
5:56
